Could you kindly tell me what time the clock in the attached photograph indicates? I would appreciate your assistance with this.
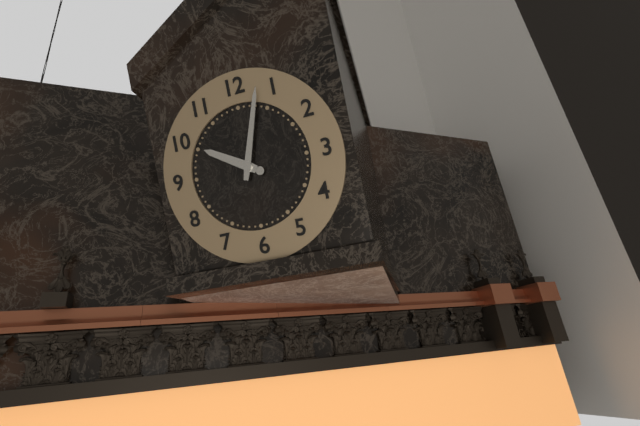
10:03
